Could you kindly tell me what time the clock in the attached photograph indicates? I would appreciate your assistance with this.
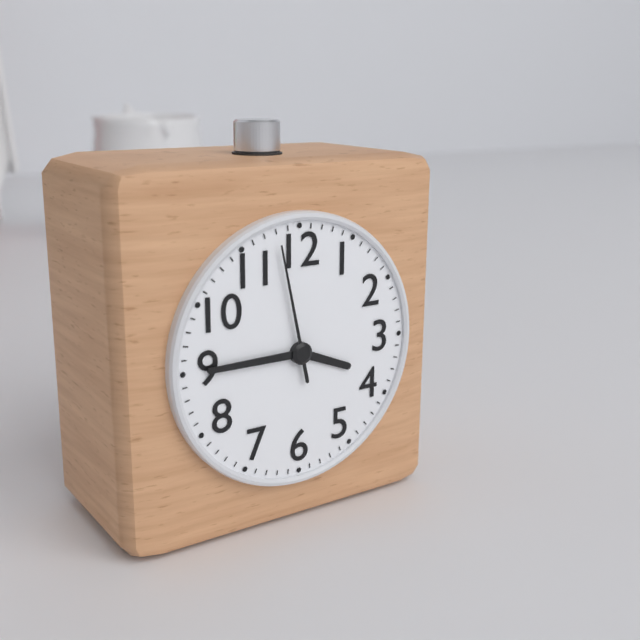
3:45:58
